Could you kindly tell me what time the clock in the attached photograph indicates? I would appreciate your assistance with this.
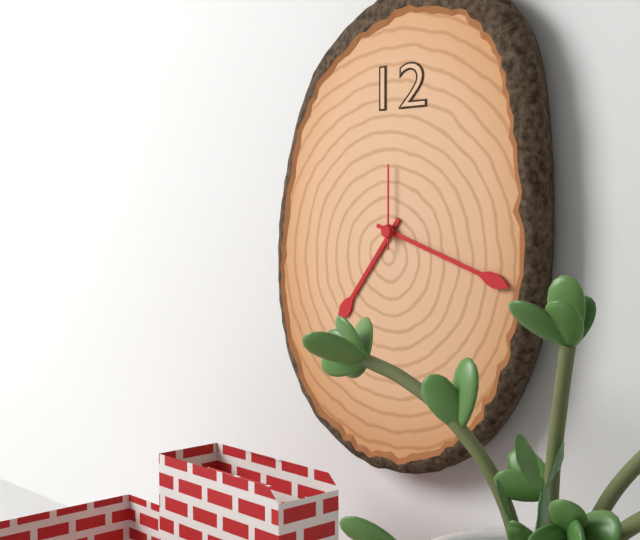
7:18:00
